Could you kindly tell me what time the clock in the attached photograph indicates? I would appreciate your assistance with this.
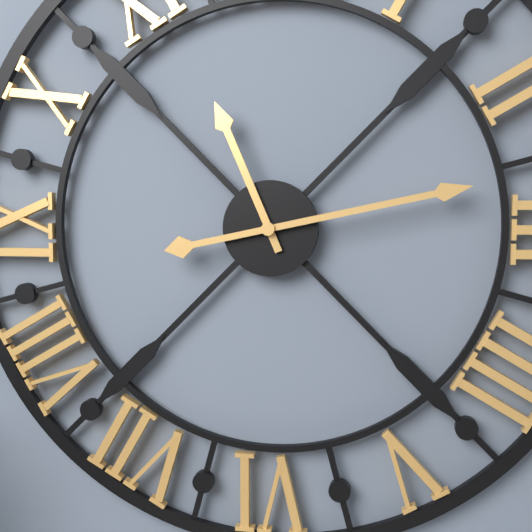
11:13
